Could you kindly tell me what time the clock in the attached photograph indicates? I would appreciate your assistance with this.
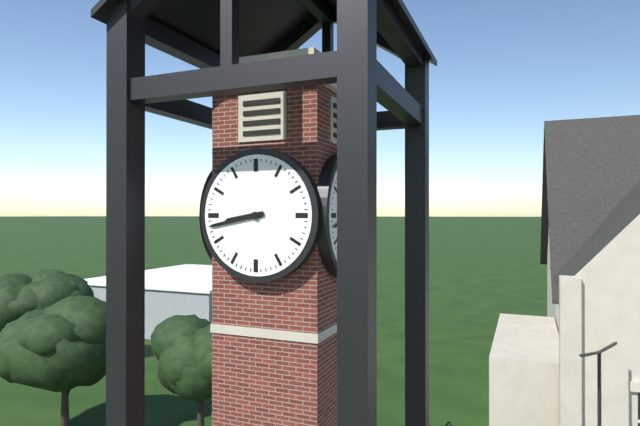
8:43
